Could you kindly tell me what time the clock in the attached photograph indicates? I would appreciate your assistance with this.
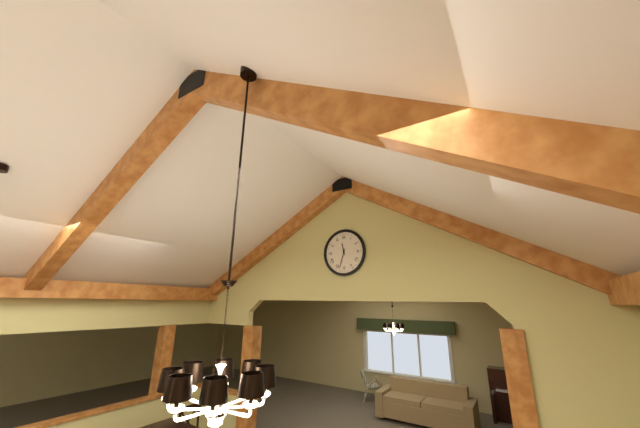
11:33
